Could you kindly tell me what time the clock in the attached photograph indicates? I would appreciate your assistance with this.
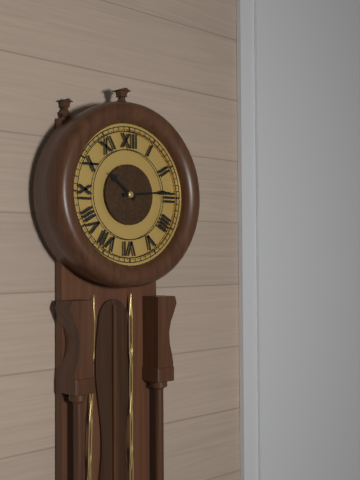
10:14
